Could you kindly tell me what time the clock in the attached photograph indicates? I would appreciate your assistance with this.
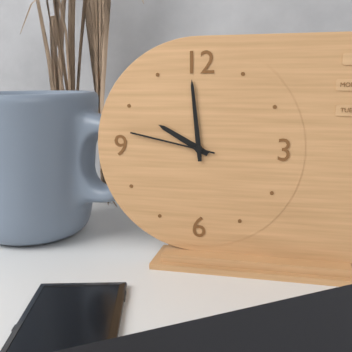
9:59:47
